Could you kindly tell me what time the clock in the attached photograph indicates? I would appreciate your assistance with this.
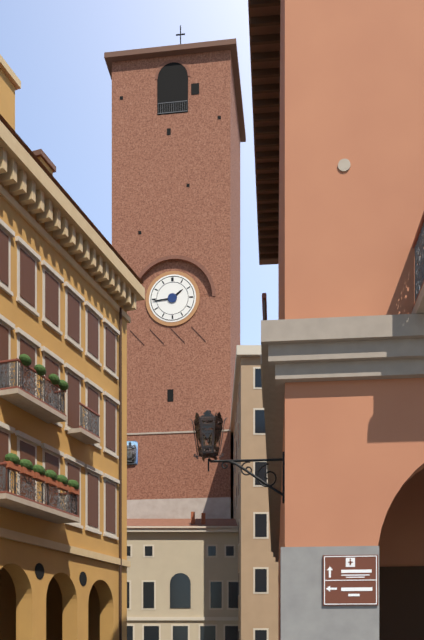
1:44
